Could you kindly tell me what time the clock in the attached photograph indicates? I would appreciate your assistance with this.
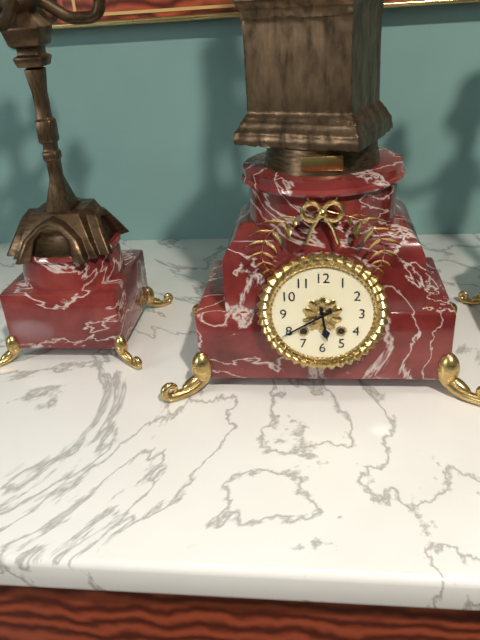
5:40
